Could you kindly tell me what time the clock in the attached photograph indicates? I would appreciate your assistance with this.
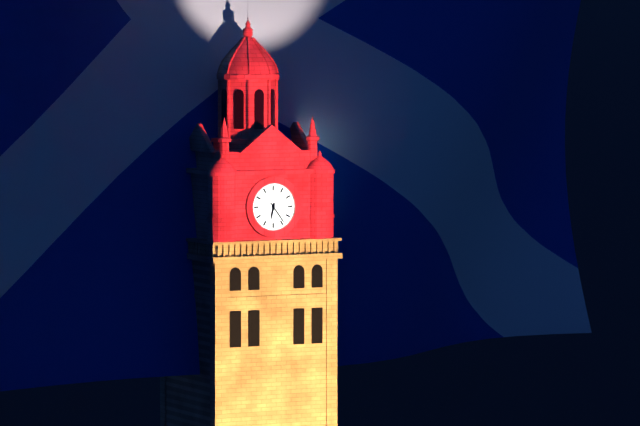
6:24
